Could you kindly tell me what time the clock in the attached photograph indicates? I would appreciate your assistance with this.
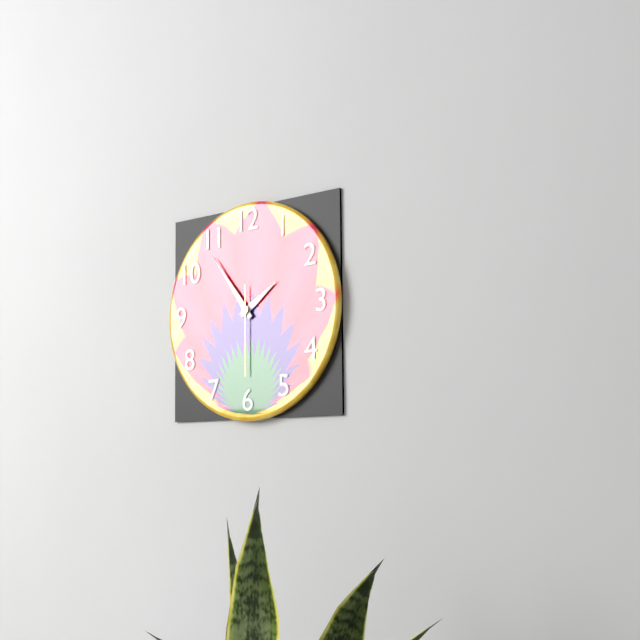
1:54:30
